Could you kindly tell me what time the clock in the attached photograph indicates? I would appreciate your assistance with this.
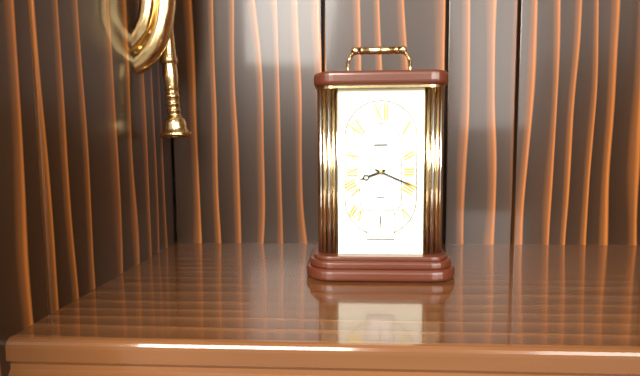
8:19
